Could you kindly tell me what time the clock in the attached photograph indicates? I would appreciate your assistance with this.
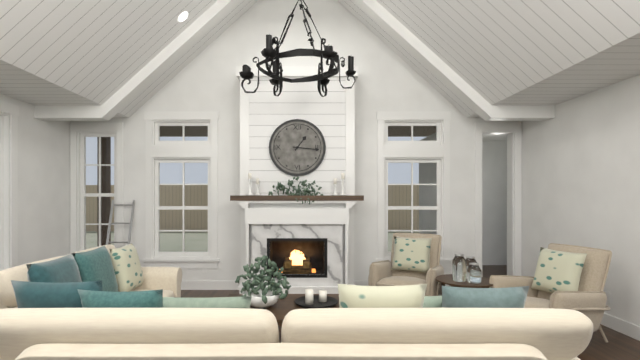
1:16
